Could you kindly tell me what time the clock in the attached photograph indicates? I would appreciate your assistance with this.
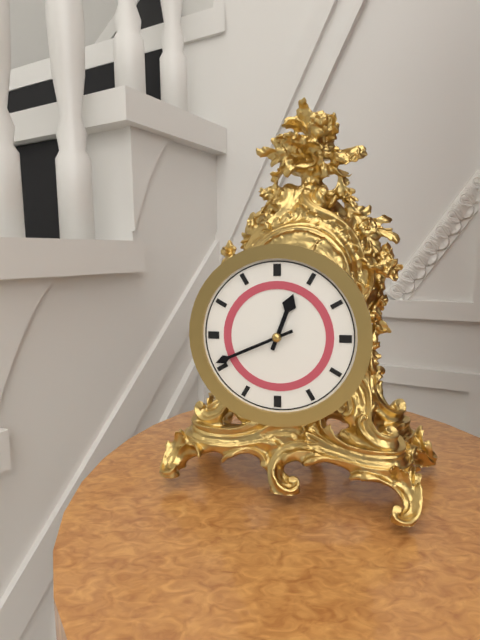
12:41
